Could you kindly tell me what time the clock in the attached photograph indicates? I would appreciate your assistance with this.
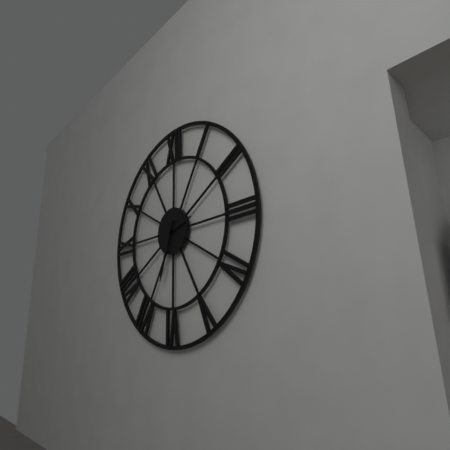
2:33
